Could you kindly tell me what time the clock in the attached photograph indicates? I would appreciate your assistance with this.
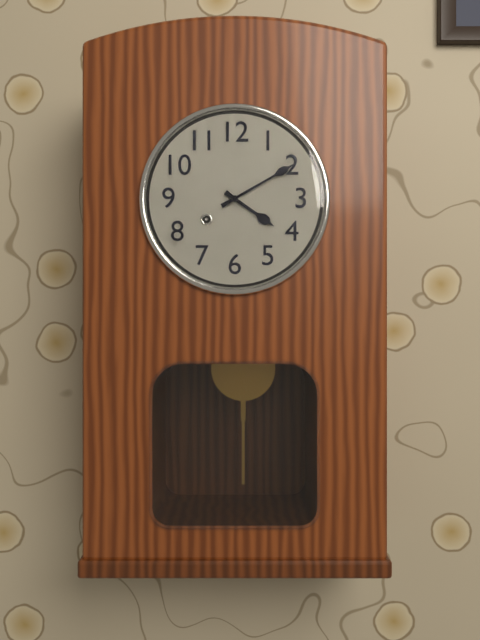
4:10
